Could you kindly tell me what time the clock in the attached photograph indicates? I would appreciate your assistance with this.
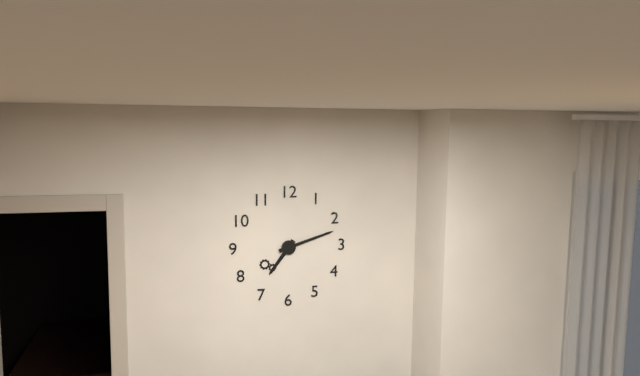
7:12
